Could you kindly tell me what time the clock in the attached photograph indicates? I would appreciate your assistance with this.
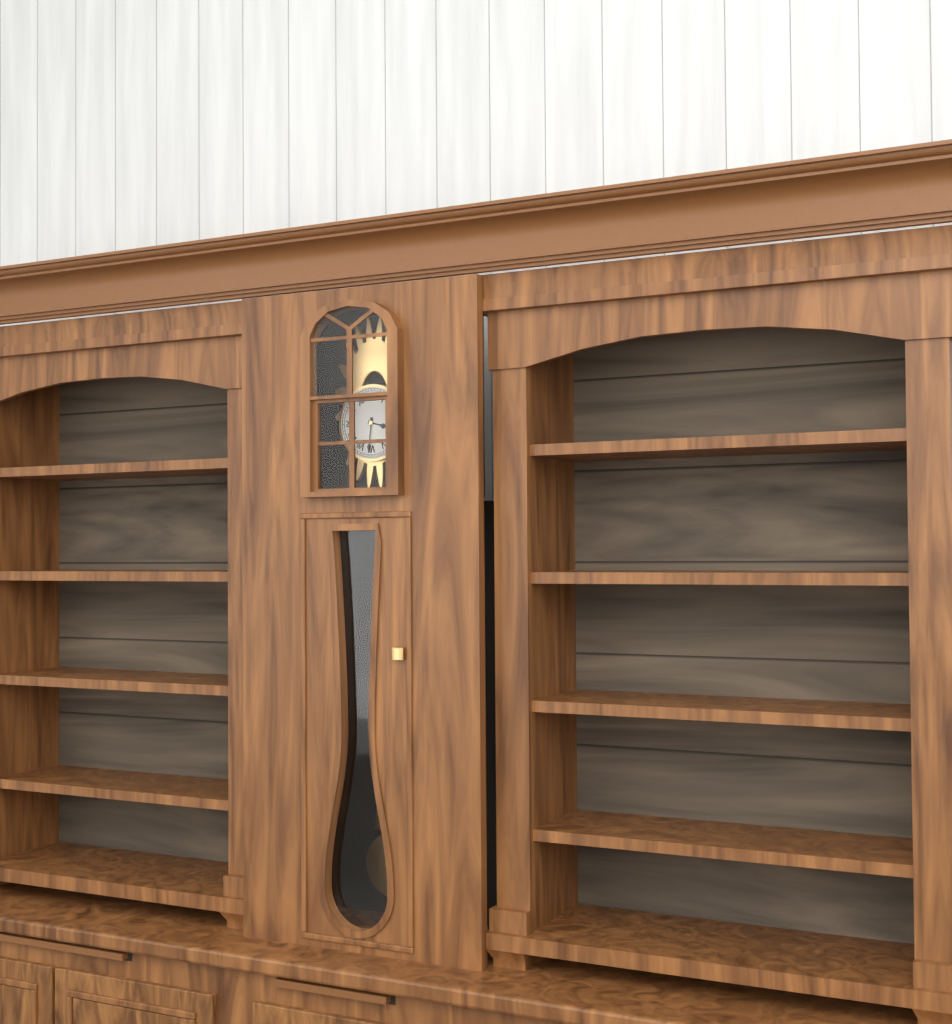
3:31
